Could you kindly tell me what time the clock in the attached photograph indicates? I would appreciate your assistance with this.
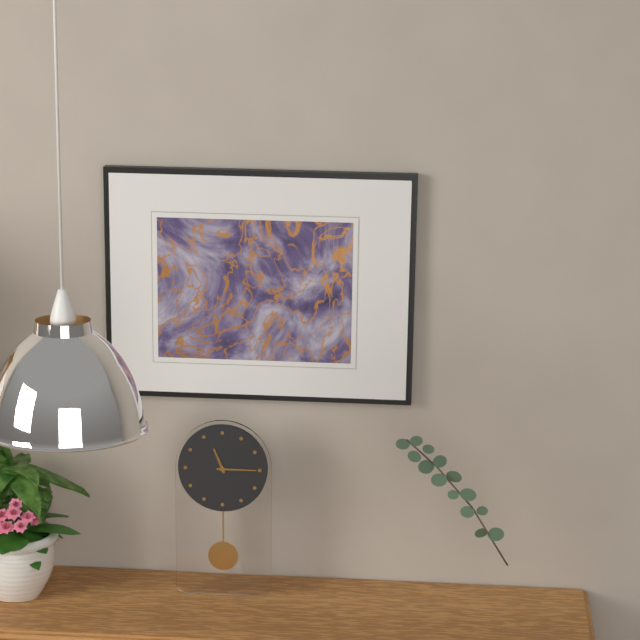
11:15
